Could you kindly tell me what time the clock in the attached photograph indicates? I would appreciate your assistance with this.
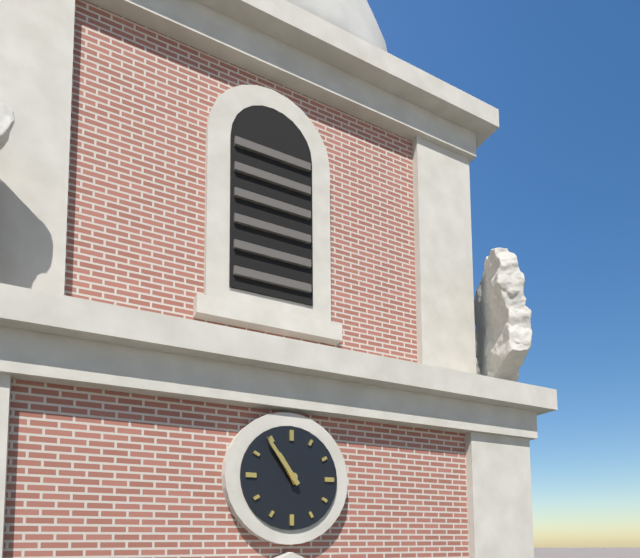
10:54
